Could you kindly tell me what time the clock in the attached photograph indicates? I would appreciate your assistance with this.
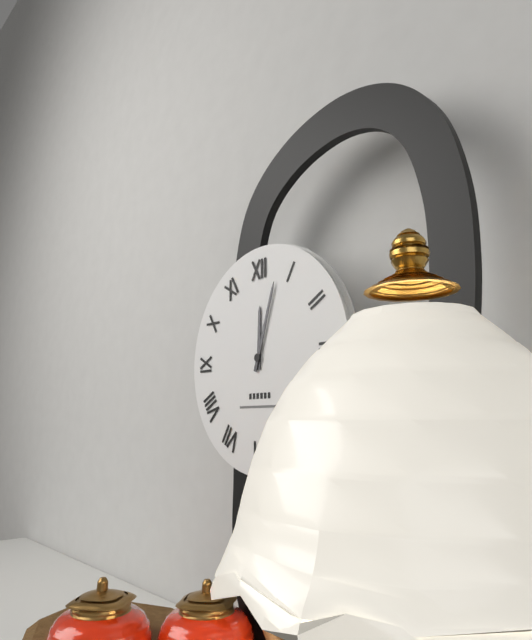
12:03
